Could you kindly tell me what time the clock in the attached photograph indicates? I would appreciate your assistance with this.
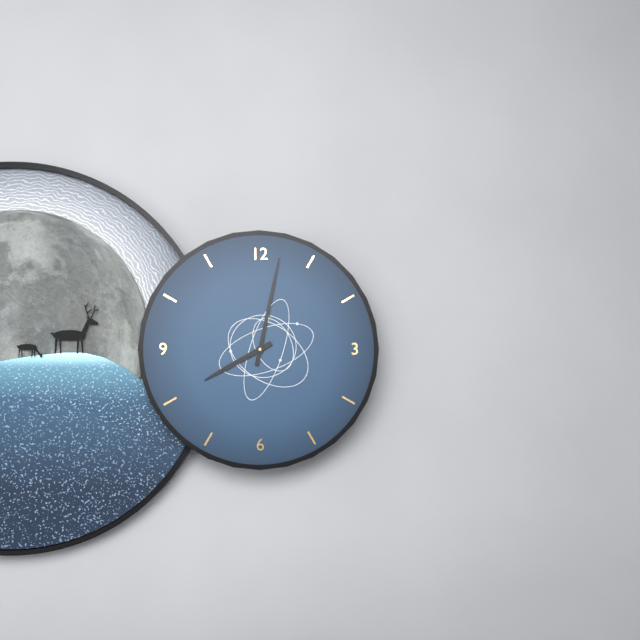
8:02
